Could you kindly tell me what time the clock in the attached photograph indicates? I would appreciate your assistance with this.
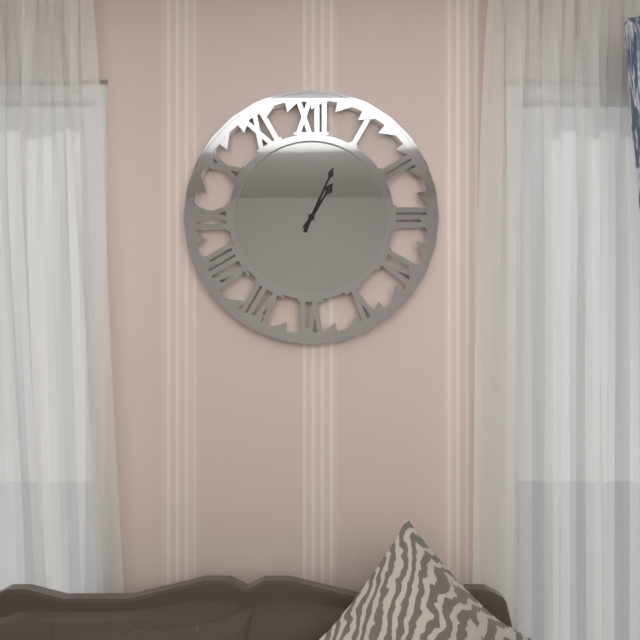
1:04
